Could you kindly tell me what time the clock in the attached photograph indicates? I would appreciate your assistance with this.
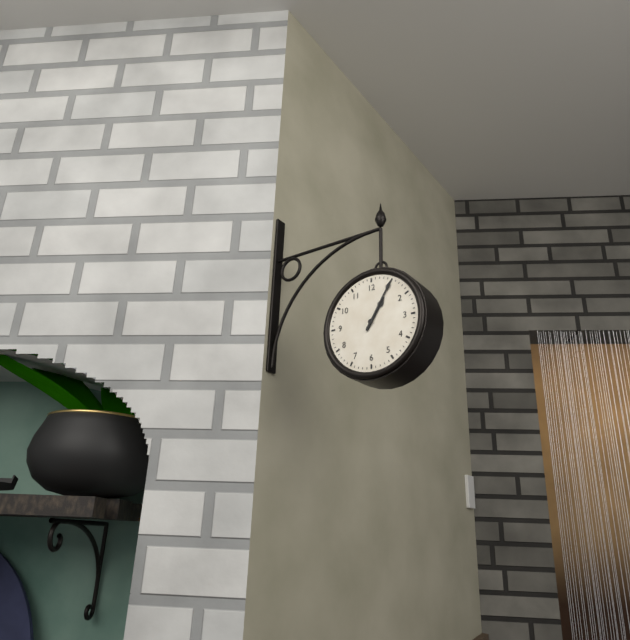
1:05
